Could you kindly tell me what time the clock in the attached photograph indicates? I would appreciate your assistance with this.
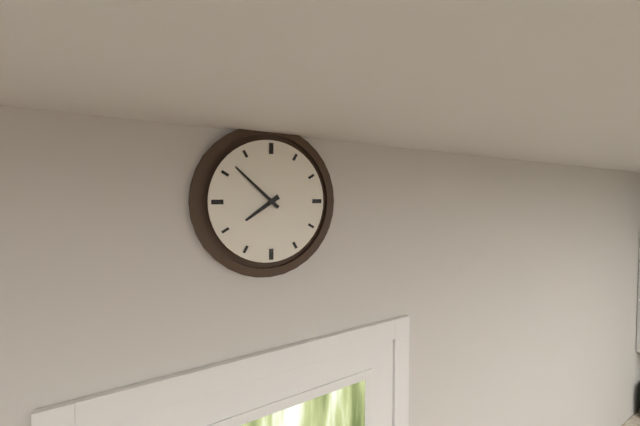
7:52
